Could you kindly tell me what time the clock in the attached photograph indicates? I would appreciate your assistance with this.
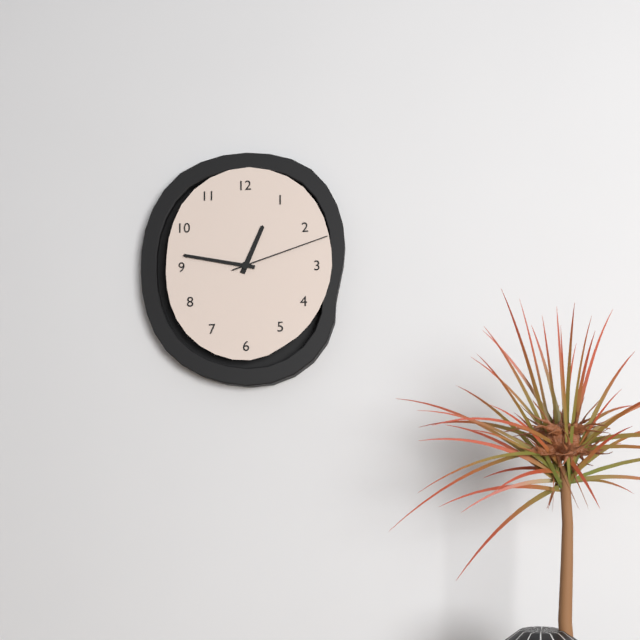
12:47:12
